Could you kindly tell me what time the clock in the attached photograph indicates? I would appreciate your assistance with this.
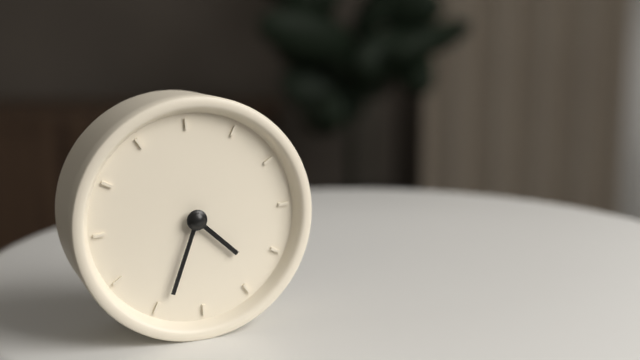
4:34
